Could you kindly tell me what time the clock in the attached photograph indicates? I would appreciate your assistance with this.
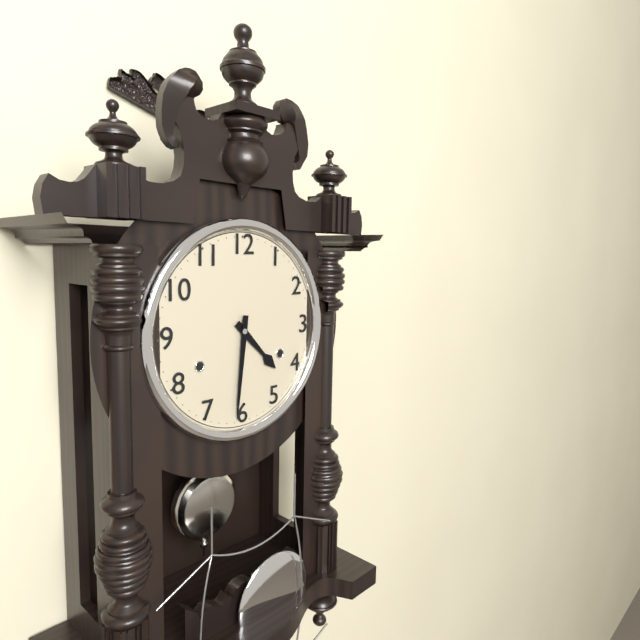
4:31
